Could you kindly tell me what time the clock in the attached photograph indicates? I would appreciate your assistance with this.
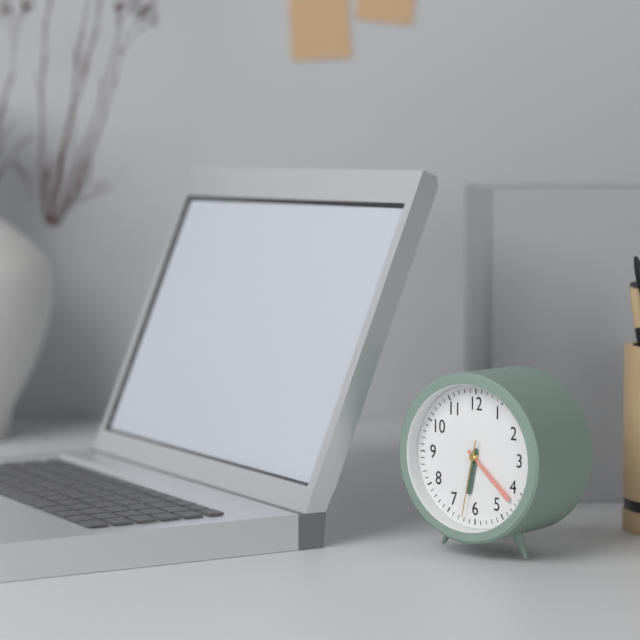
6:22:32
